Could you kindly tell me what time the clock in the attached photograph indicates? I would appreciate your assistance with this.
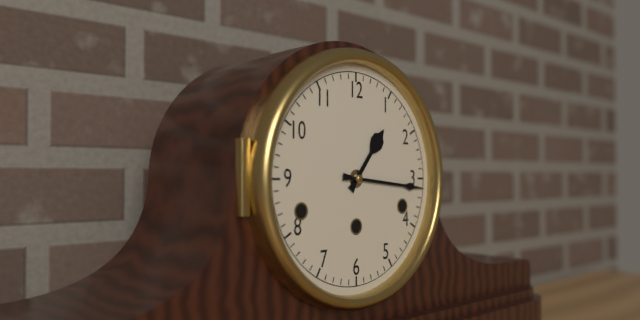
1:16
